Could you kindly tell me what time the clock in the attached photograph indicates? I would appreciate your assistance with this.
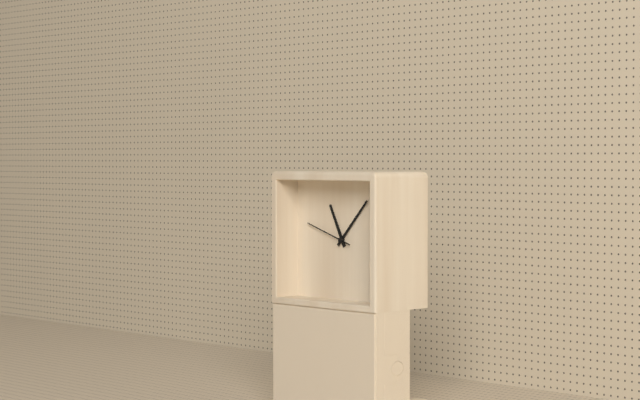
11:07
